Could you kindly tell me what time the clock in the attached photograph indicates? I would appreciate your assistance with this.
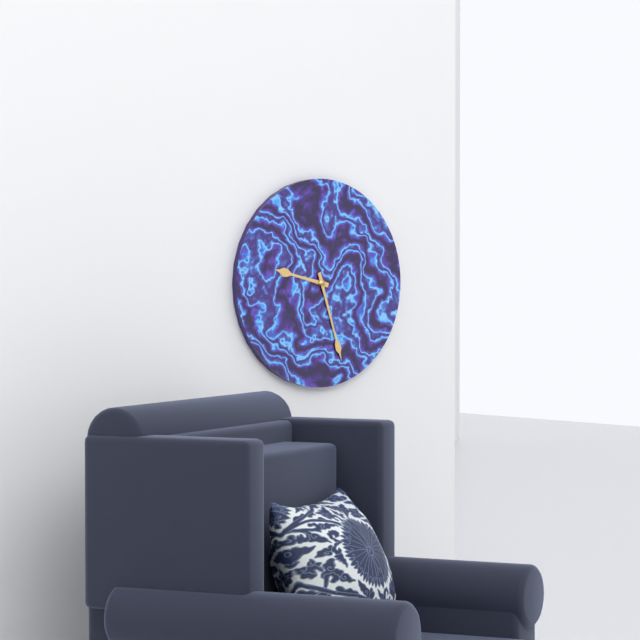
9:27
